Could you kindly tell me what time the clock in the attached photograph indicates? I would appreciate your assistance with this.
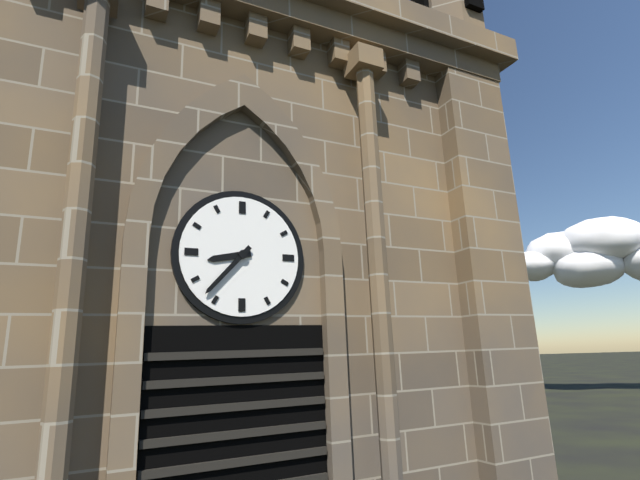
8:37
